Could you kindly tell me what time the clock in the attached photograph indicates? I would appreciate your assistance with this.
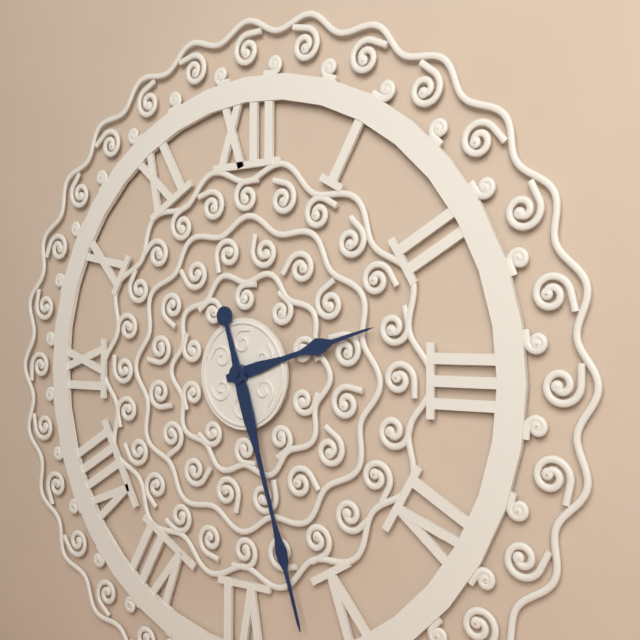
2:27
